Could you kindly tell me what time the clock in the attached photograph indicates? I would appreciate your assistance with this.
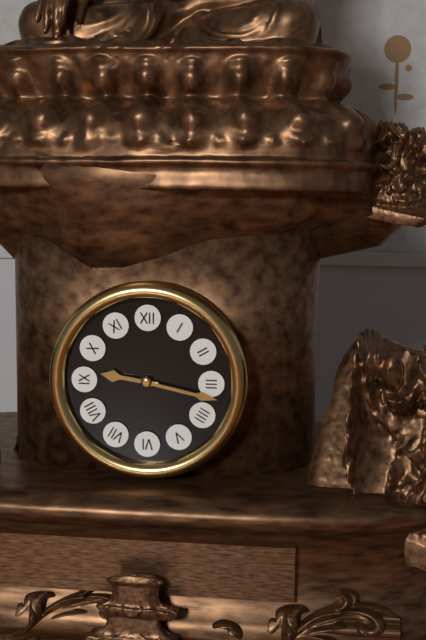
9:17
